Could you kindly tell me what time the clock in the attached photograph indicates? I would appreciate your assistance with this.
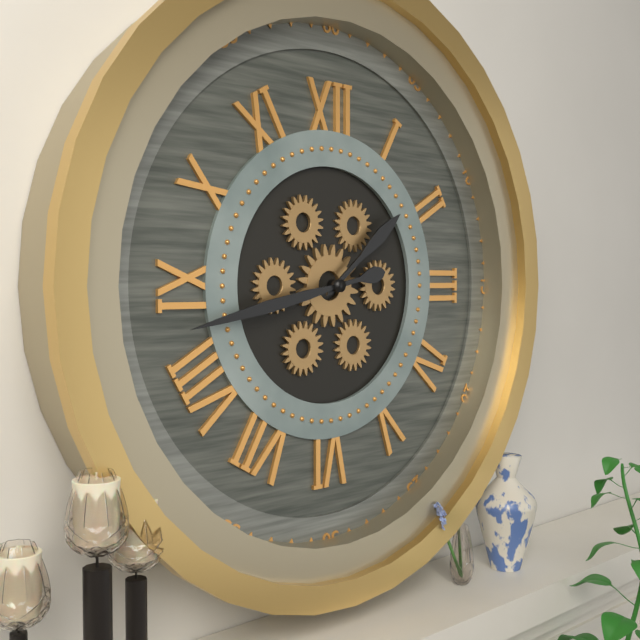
1:43
